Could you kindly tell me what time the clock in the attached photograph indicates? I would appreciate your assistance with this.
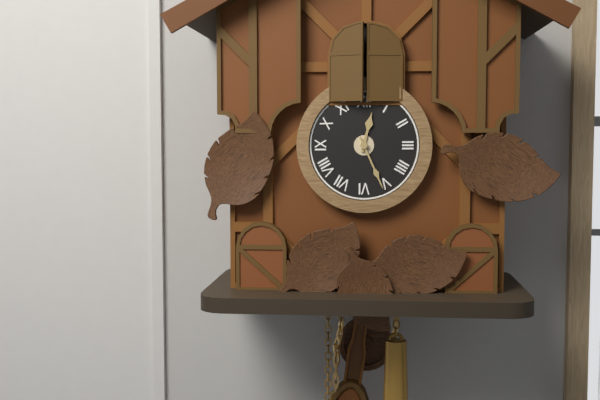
12:26
